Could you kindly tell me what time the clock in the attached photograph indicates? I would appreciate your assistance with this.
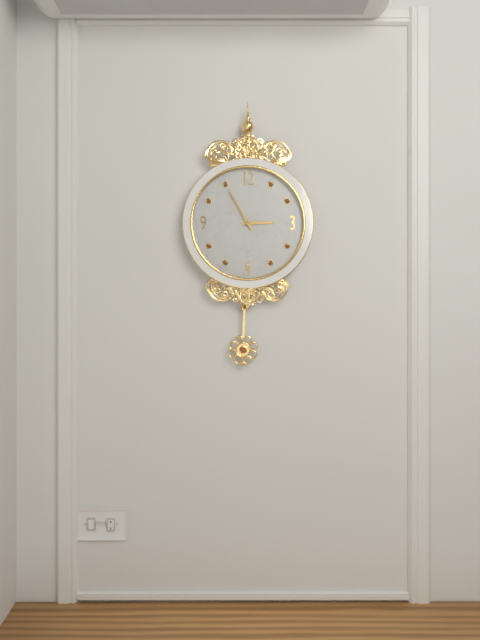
2:55
